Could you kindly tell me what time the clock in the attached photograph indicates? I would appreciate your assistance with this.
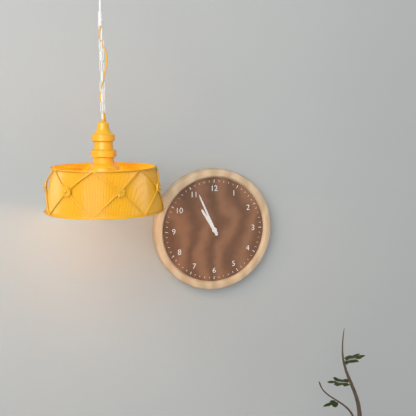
10:56
